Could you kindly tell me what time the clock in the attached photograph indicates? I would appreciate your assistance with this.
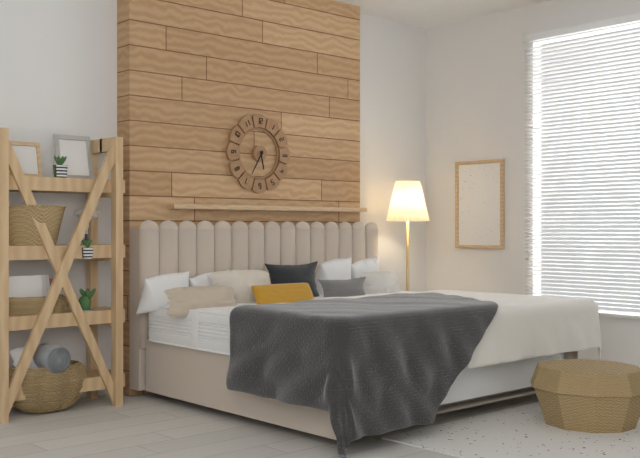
5:35
